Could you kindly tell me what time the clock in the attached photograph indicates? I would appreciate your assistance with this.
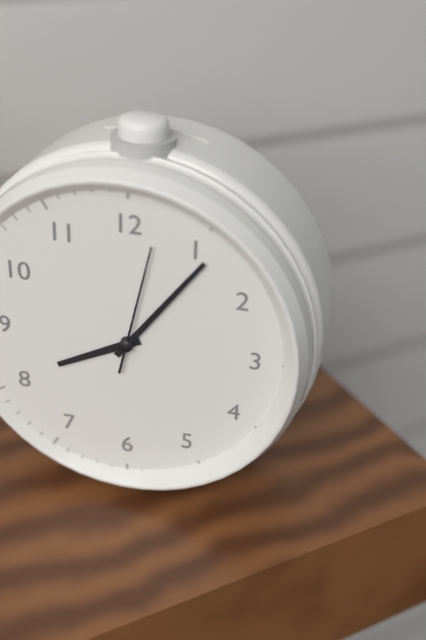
8:06:02
